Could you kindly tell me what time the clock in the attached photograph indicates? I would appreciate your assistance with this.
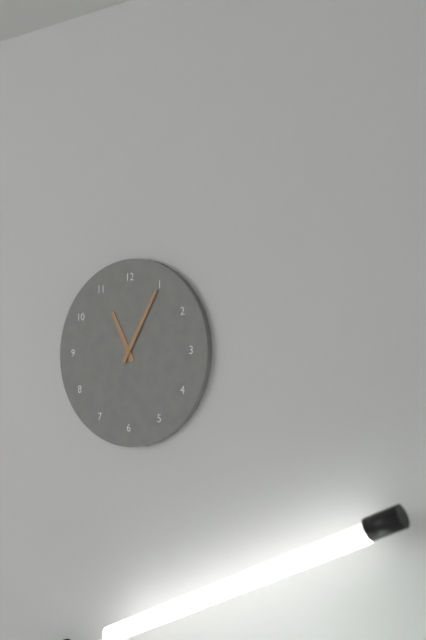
11:05
